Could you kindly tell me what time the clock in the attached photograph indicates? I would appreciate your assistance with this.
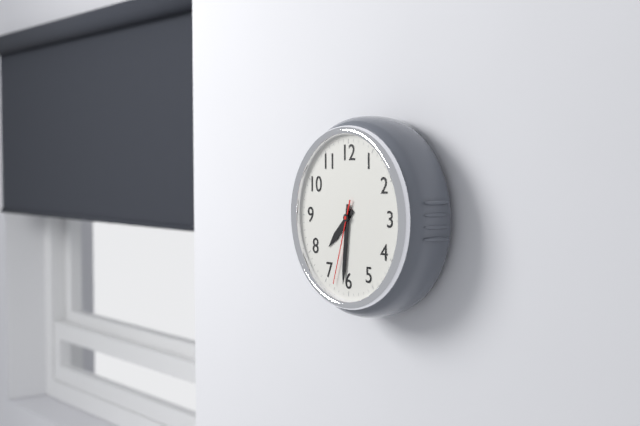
7:31:33
